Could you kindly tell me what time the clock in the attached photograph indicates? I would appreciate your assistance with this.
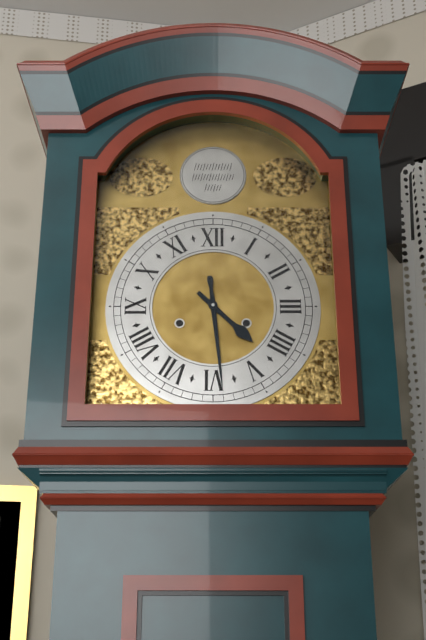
4:29
